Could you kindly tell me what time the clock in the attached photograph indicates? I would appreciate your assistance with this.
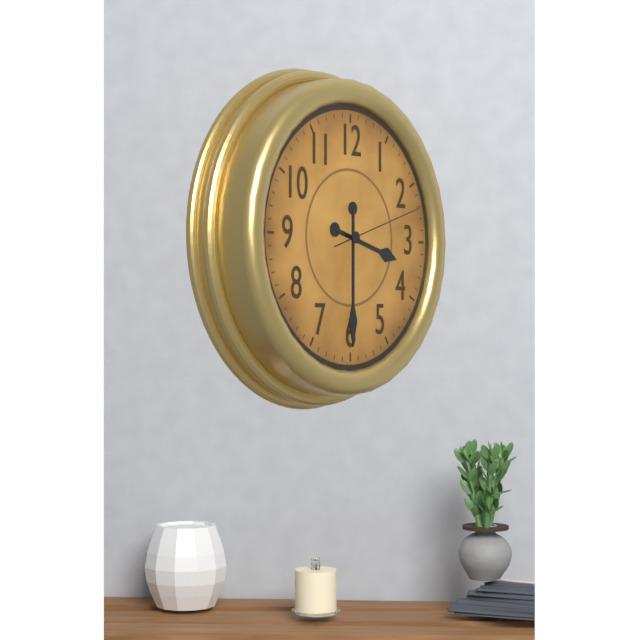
3:30:12
